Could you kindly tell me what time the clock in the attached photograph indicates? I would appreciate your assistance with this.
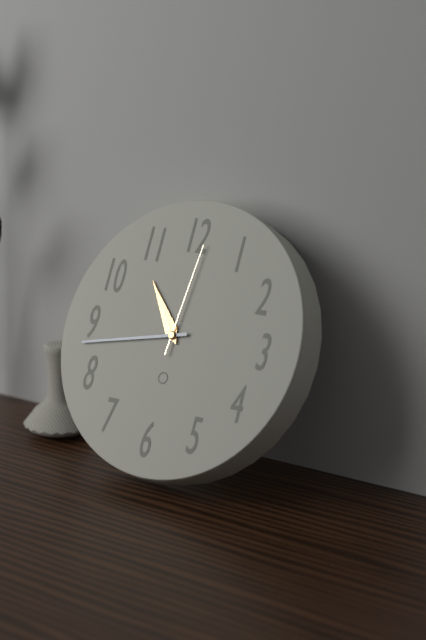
10:43:01
